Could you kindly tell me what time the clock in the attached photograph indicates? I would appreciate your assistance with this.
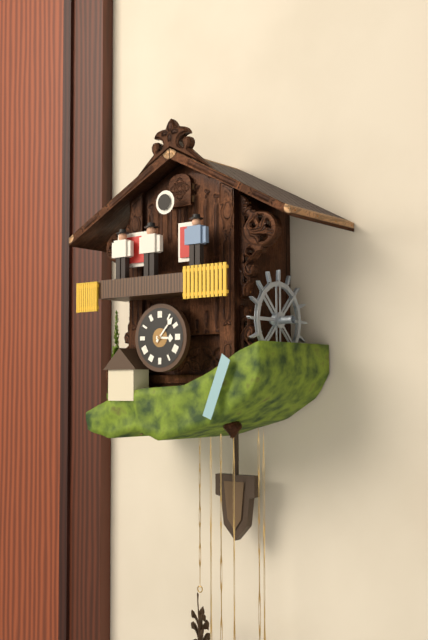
3:07
